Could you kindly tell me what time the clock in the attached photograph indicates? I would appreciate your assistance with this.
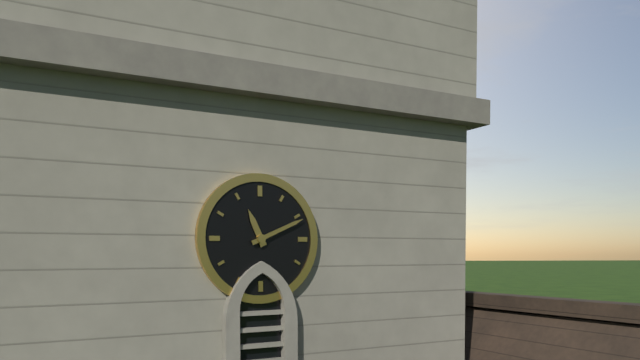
11:11
